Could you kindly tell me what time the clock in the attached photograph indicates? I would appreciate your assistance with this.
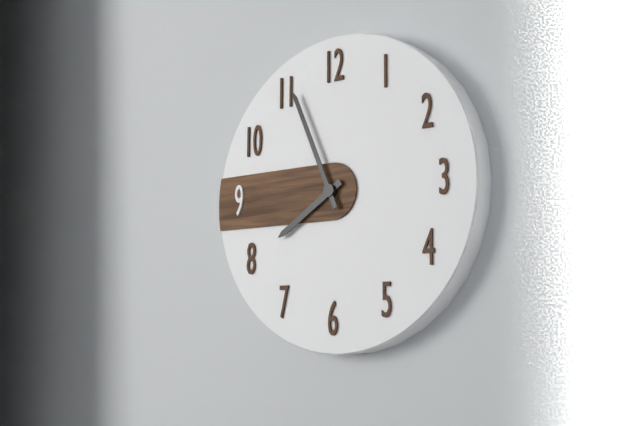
7:56
